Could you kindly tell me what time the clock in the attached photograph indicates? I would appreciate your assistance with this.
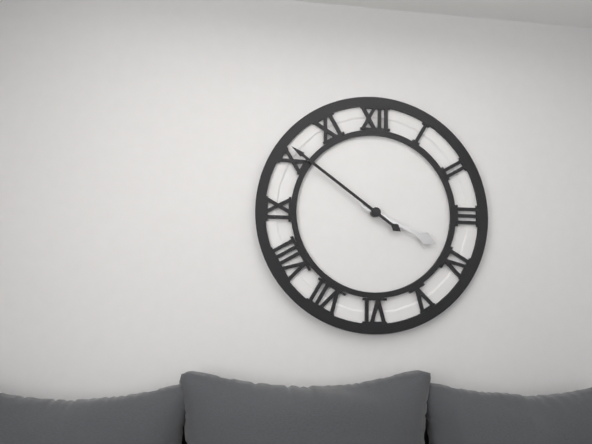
3:51
